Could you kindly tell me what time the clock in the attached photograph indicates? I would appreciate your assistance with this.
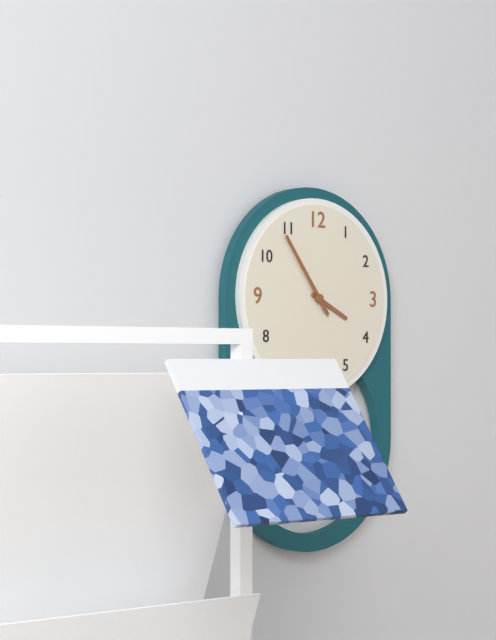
3:54
